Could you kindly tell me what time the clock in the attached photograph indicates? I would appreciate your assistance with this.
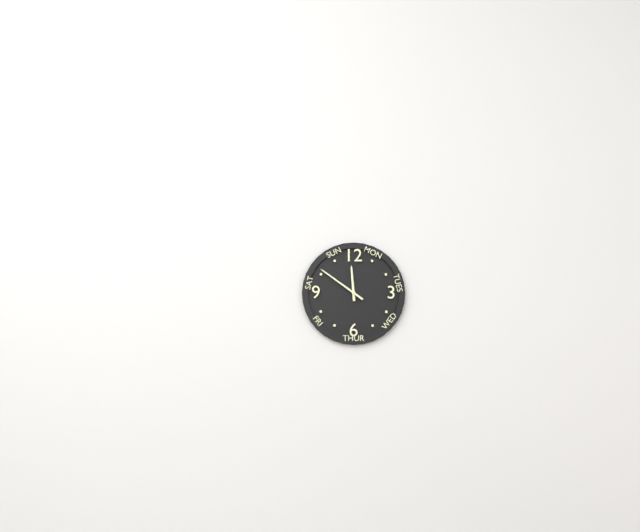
11:51
